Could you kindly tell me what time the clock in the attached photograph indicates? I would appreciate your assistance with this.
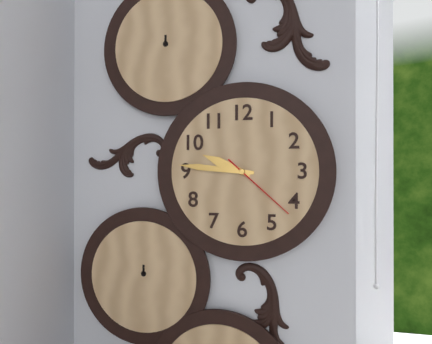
9:46:22
